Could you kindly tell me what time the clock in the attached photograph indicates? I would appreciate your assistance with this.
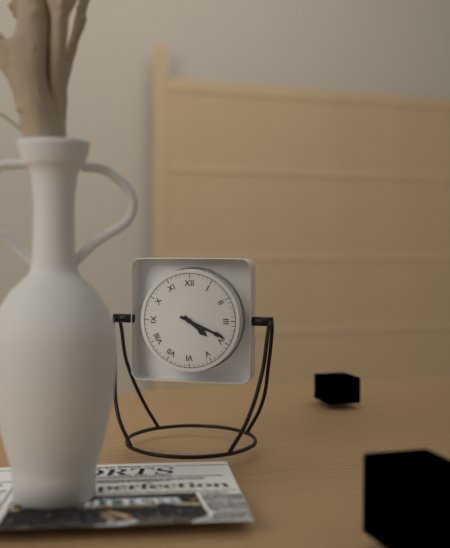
4:19
